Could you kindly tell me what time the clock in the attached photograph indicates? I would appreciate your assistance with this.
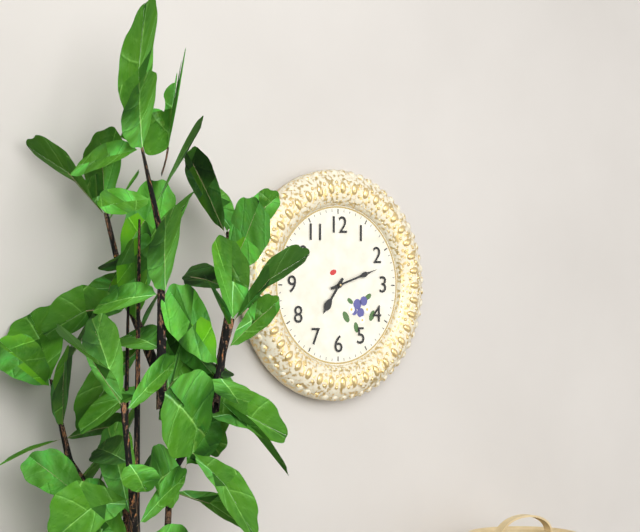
7:12
